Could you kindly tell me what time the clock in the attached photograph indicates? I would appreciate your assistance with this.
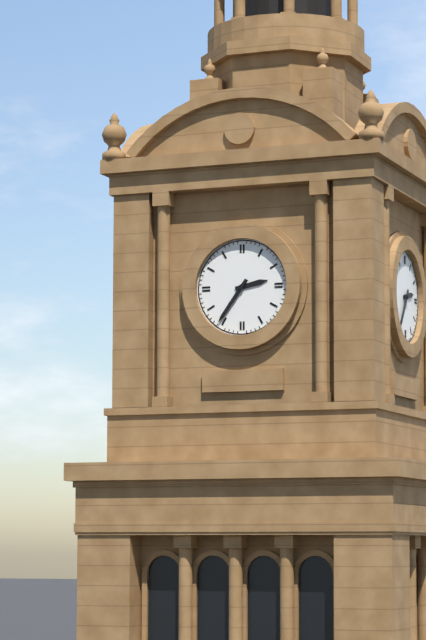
2:36
